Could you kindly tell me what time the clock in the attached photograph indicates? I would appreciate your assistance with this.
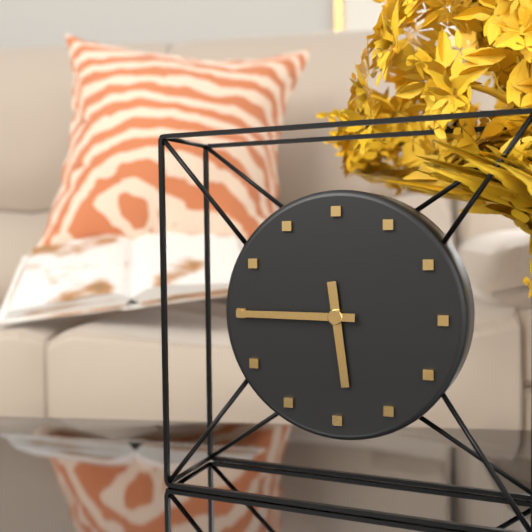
5:45
